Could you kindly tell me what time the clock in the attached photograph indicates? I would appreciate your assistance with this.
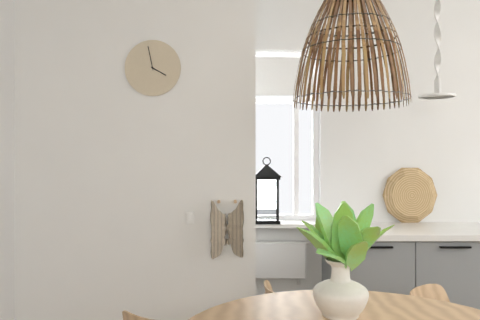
3:58
